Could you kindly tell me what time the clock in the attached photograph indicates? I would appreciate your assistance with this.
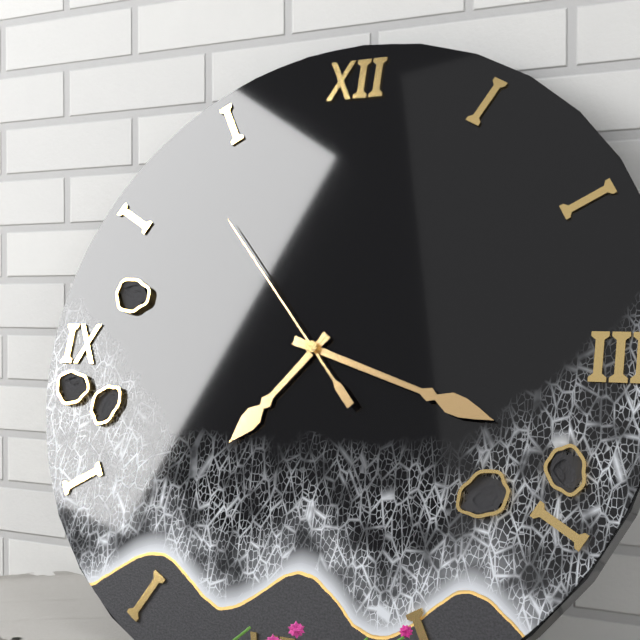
7:18:53
